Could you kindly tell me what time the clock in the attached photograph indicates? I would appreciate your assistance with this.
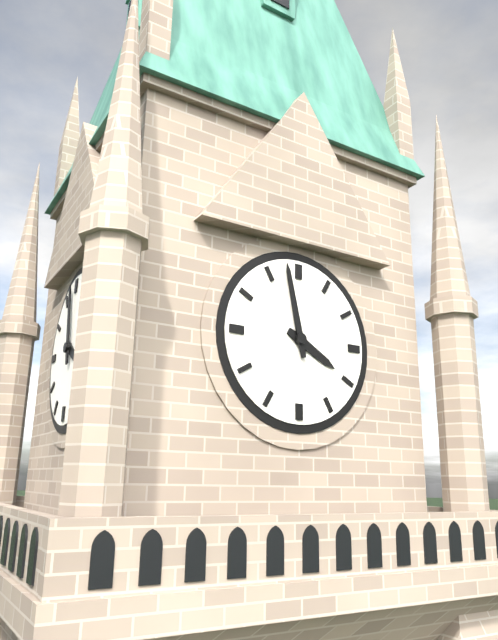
3:58
